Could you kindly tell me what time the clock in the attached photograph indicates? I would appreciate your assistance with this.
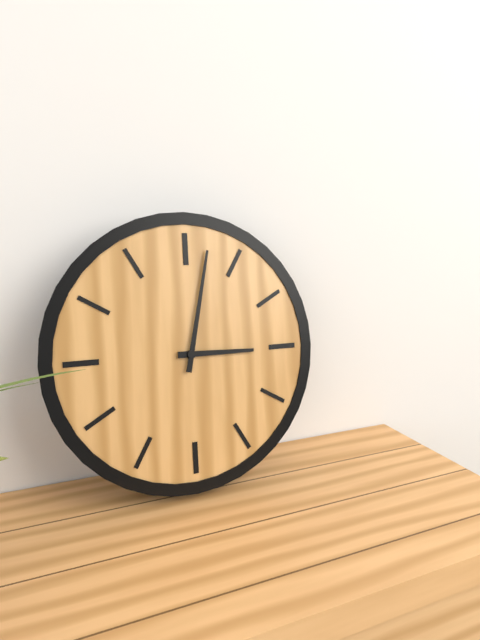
3:02
